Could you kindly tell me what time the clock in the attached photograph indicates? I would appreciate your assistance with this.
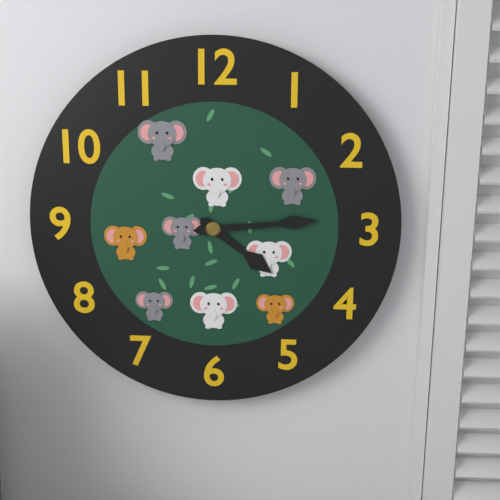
4:14
